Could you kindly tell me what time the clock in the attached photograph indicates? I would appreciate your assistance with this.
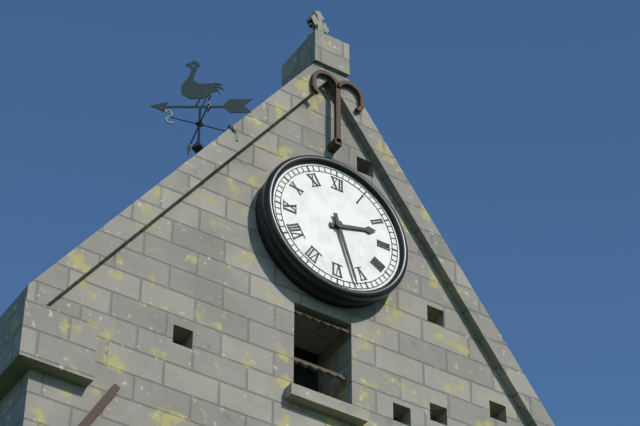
2:27
